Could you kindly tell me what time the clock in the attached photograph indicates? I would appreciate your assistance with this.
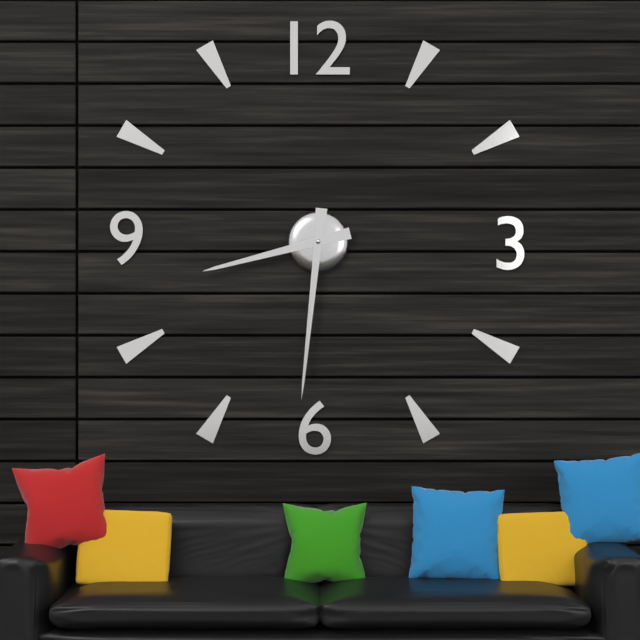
8:31
